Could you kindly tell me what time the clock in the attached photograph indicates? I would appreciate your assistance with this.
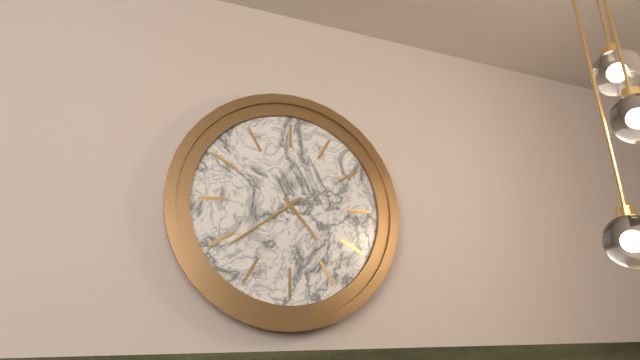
4:39
